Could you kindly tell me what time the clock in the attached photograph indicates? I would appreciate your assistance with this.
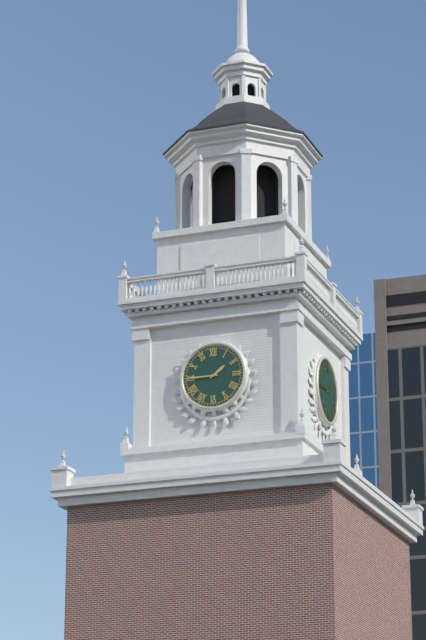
1:45
